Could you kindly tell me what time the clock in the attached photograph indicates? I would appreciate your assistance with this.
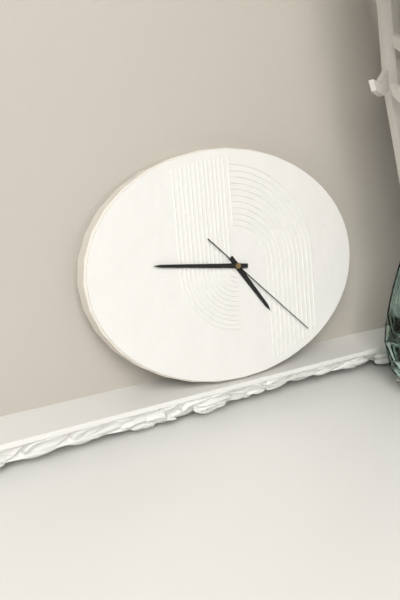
4:46:22
